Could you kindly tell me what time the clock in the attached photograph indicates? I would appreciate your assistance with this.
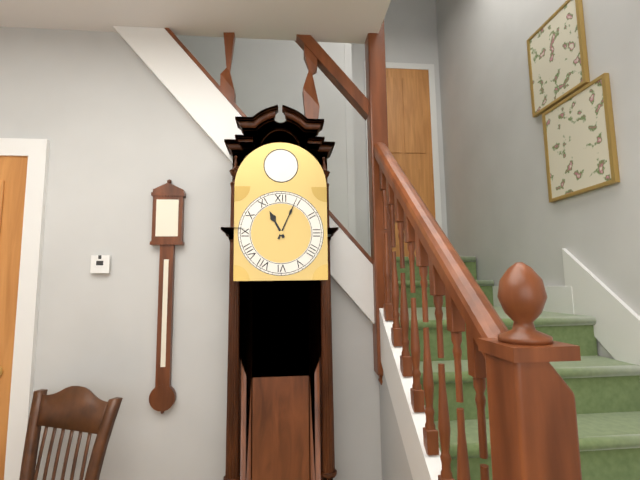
11:04
